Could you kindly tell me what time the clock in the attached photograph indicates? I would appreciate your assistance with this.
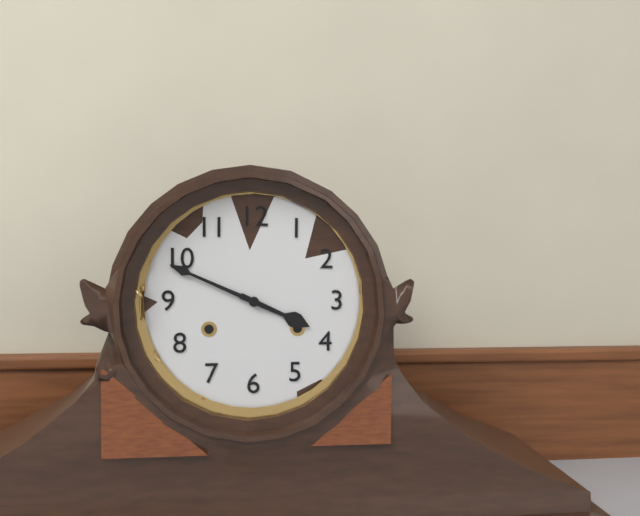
3:49
